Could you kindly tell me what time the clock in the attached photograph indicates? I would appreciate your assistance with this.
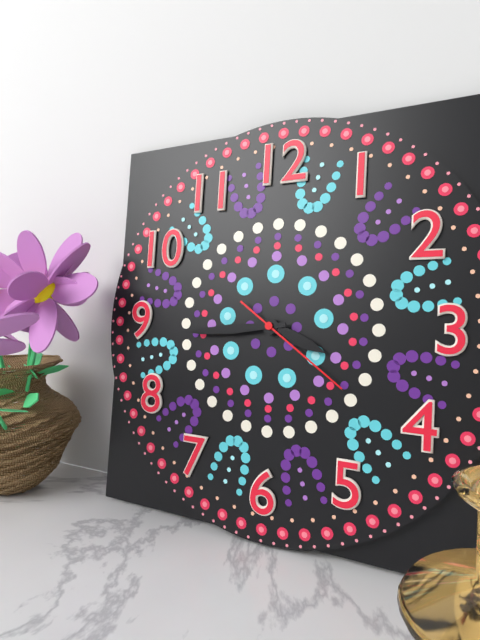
3:44:21
